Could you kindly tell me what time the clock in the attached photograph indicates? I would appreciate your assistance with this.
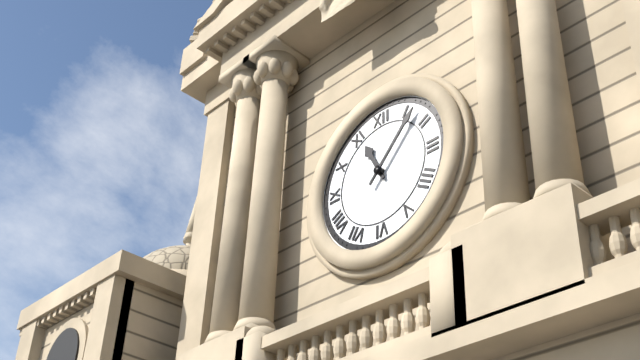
11:07
